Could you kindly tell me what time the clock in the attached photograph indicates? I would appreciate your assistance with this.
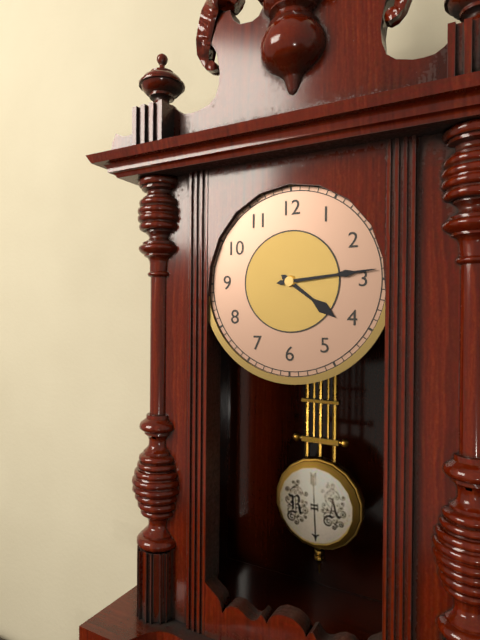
4:14
